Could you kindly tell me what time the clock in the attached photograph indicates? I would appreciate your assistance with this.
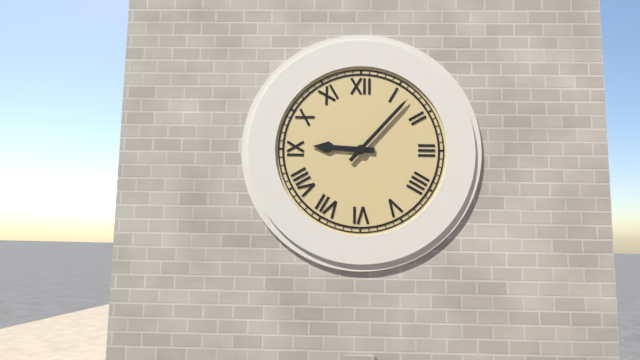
9:07
